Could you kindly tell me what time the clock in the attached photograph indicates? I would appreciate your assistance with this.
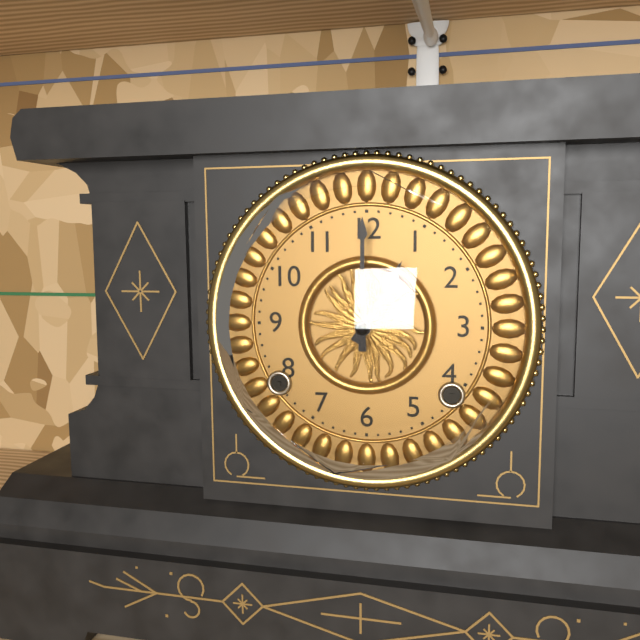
1:00
